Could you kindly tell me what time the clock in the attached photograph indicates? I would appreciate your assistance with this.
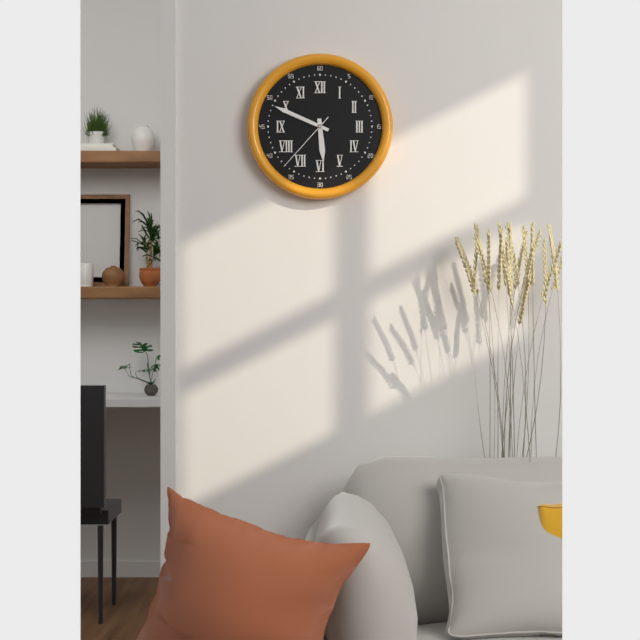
5:49:37
